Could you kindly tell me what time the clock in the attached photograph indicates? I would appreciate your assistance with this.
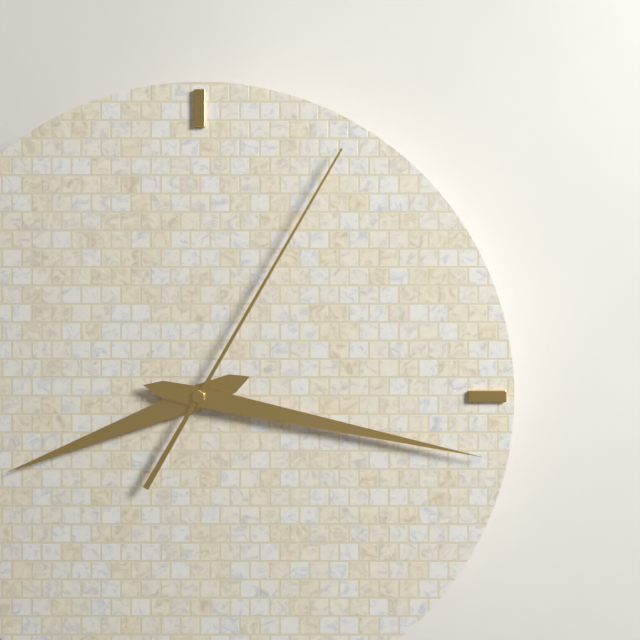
8:17:05
